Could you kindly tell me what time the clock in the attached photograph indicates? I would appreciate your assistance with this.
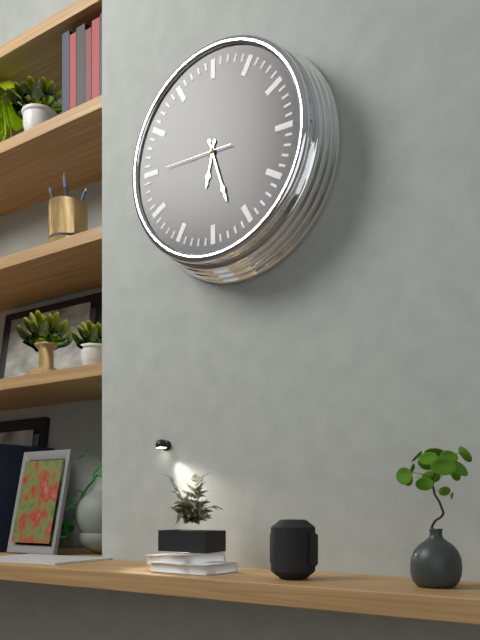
6:27:45
